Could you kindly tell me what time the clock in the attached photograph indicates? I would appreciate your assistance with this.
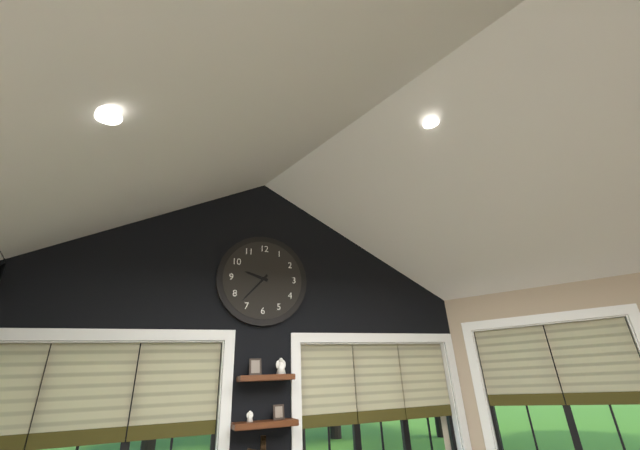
9:37
